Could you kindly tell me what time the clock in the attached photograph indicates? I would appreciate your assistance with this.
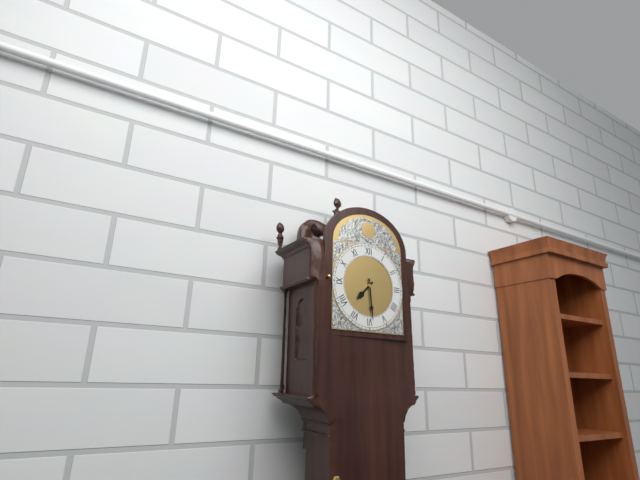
7:29
